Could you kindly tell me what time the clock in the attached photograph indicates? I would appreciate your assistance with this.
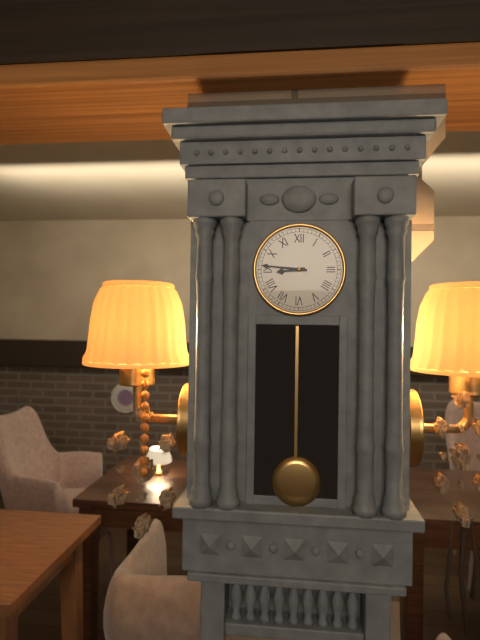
8:46
